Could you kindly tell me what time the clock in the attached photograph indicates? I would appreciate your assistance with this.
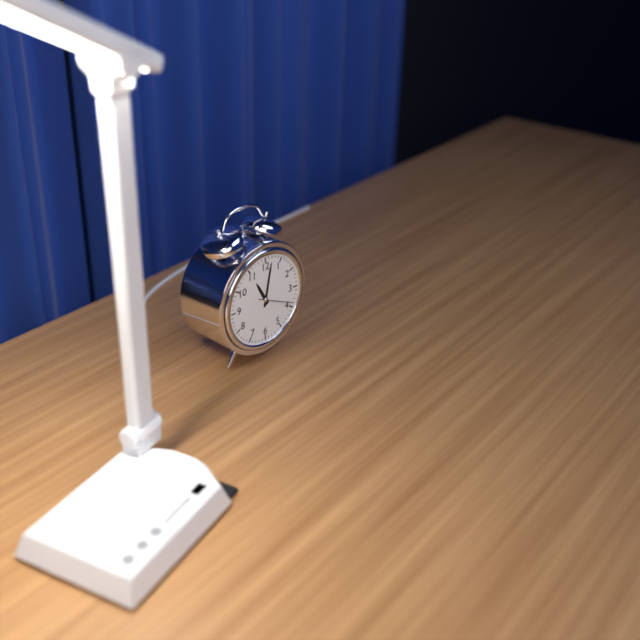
11:02
